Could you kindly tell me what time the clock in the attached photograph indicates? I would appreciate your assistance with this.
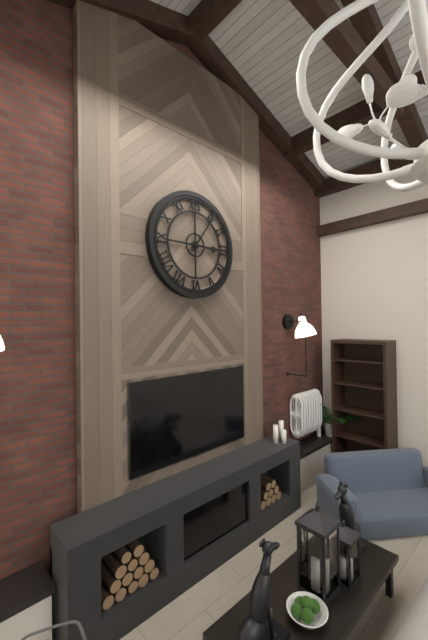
3:06
